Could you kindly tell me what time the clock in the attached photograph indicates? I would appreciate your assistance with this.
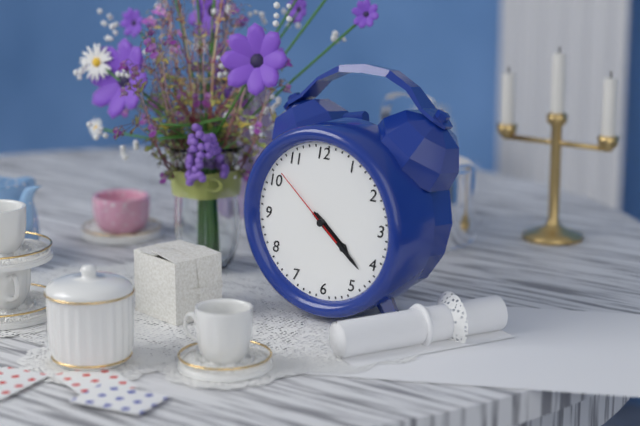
4:22:52
